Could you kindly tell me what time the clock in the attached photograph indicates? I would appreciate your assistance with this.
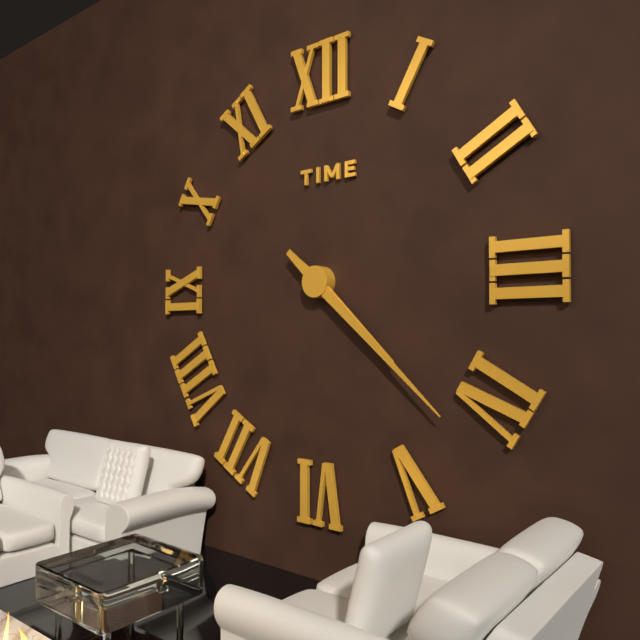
4:22
